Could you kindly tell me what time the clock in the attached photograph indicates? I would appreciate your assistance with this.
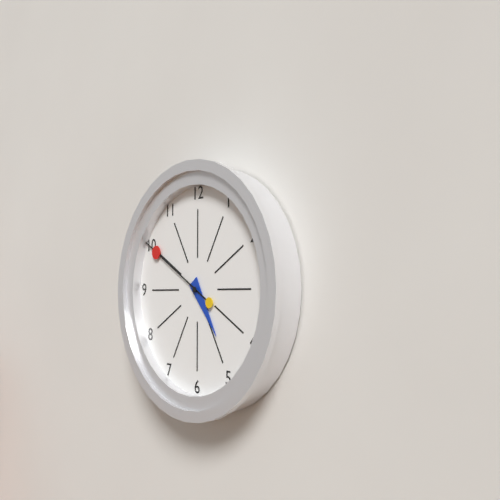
4:50
